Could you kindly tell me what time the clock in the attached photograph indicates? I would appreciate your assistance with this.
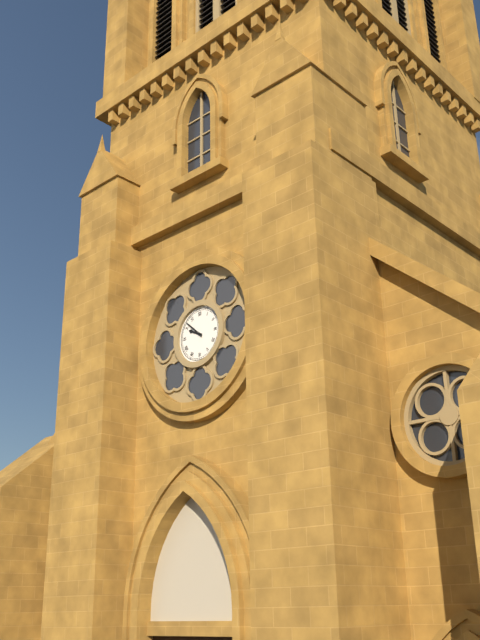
9:52
